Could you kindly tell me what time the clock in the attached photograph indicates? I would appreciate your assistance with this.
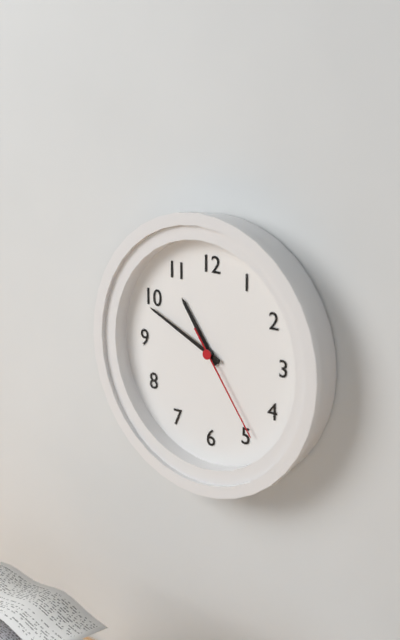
10:49:24
